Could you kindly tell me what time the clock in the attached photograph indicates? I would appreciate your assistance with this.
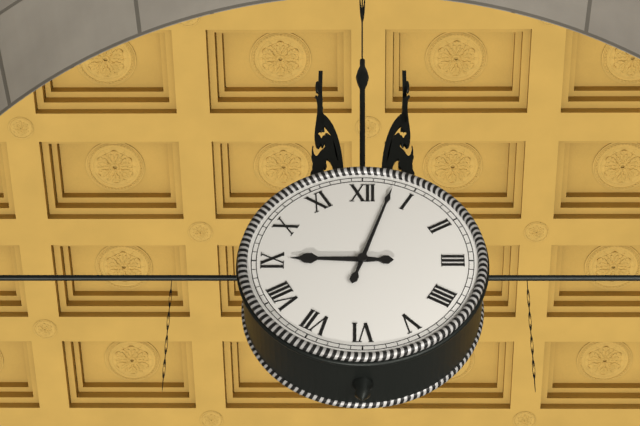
9:03
